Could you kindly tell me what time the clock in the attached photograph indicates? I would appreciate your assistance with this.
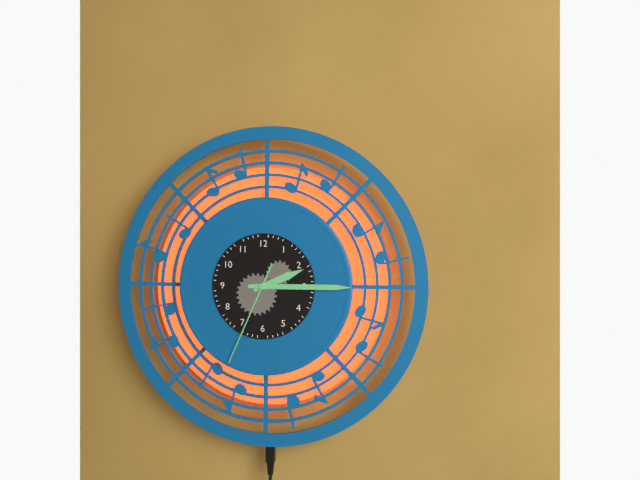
2:15:34
